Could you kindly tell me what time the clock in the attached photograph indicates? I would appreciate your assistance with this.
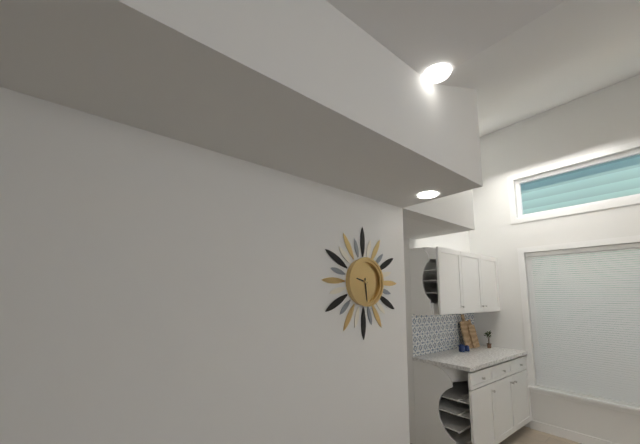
9:29
